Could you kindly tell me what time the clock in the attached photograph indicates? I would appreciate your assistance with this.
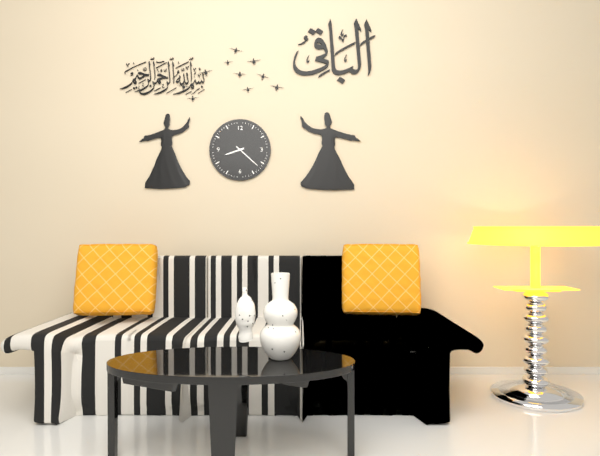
8:22
